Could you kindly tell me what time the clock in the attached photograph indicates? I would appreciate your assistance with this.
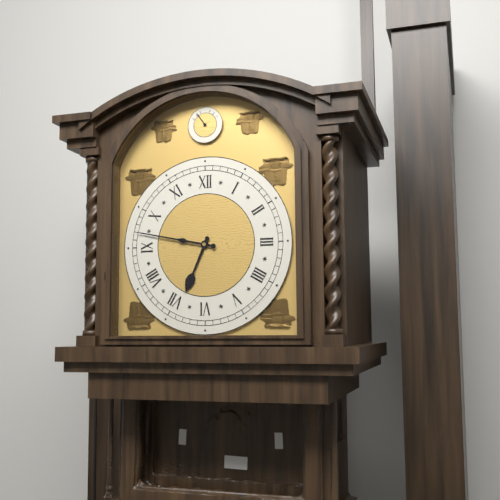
6:47
